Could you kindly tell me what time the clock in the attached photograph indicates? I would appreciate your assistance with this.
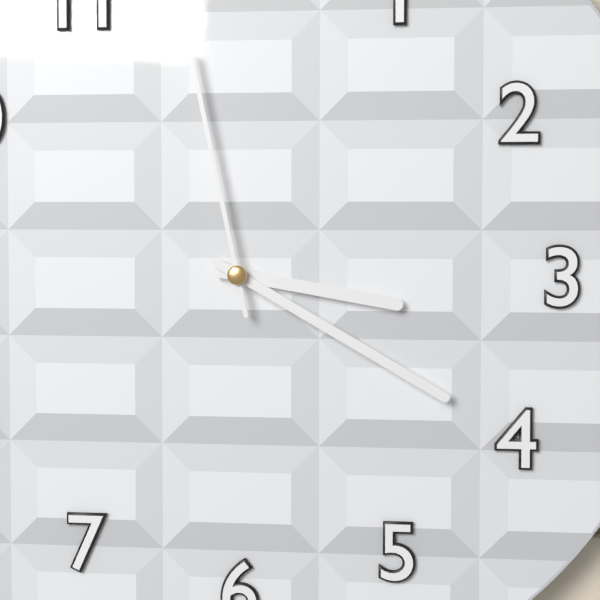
3:20:58
